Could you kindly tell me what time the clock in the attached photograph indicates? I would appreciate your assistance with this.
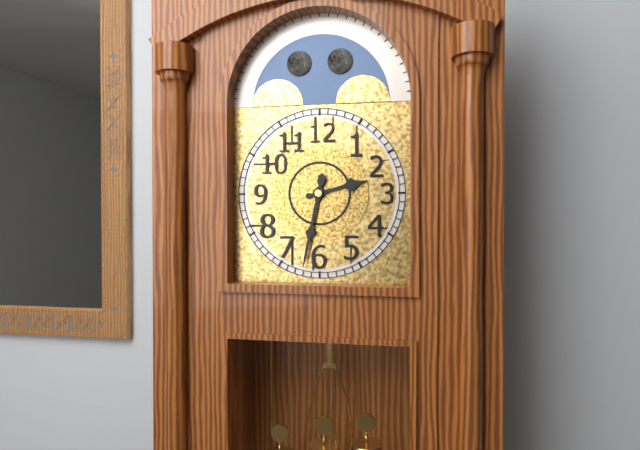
2:32
